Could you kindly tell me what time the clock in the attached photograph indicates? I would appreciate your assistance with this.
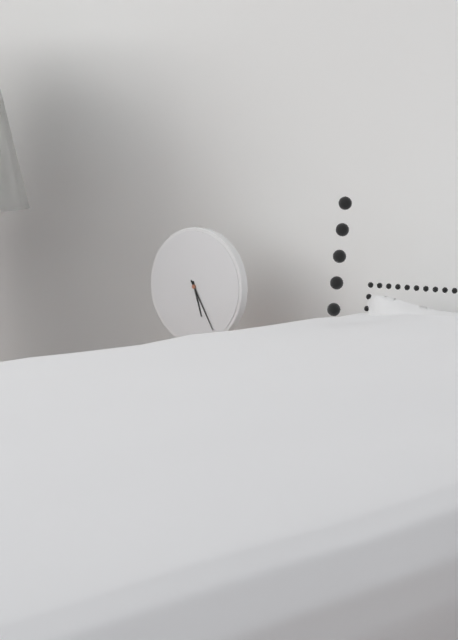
5:25
